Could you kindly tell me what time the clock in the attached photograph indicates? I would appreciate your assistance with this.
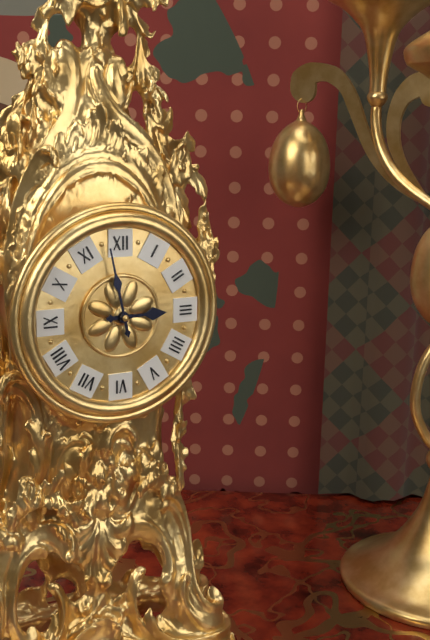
2:58
